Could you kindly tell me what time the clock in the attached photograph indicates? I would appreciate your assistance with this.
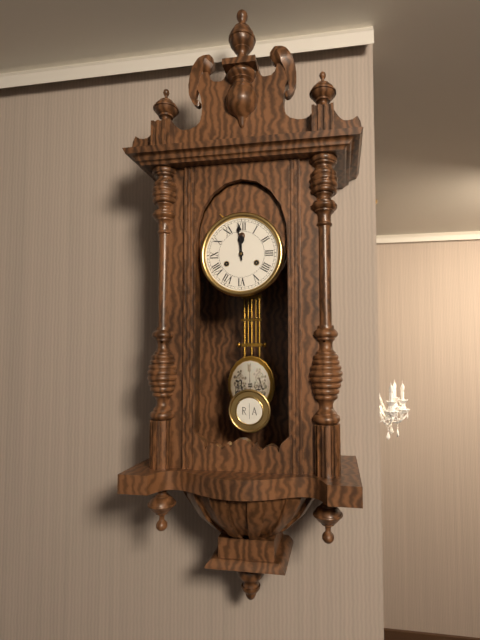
11:59
